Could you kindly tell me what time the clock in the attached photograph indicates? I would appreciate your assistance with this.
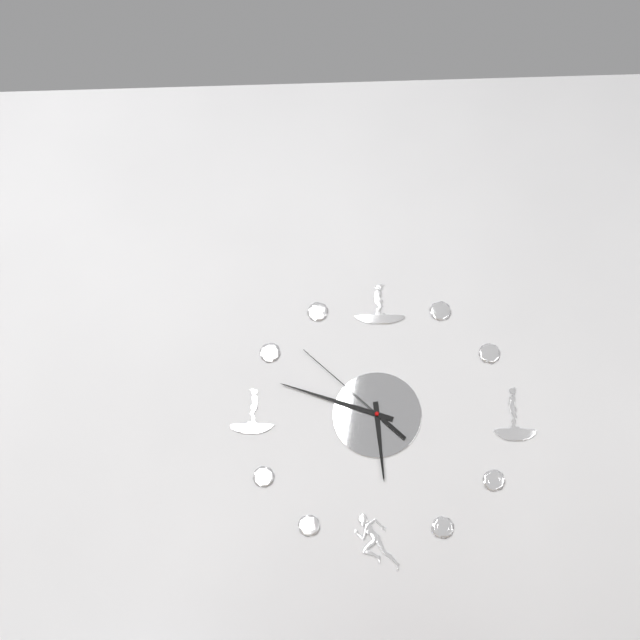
5:48:52
